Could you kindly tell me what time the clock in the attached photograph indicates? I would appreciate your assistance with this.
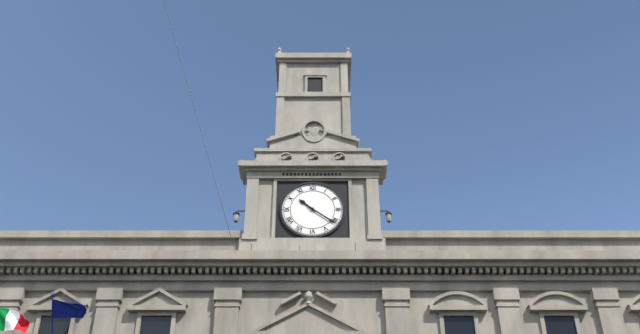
10:21
